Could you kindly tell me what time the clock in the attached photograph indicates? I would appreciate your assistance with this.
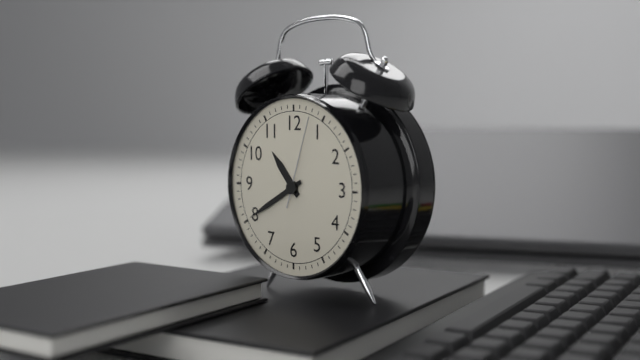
10:40:03
